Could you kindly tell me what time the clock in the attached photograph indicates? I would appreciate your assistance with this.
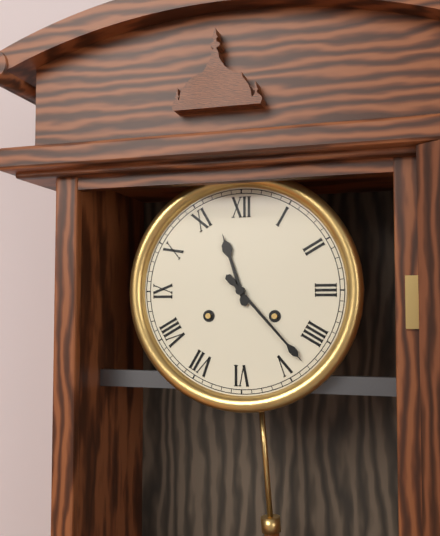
11:23
